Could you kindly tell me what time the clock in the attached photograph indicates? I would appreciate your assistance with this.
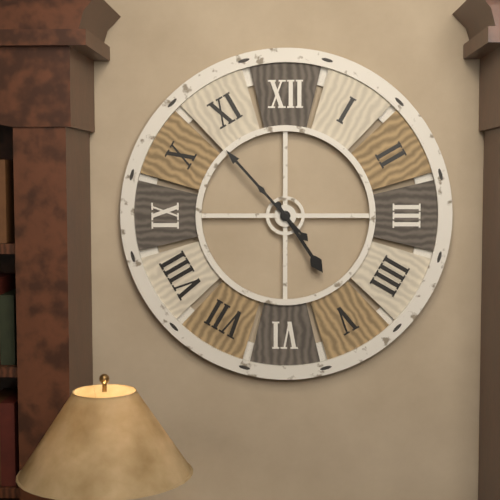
4:53
